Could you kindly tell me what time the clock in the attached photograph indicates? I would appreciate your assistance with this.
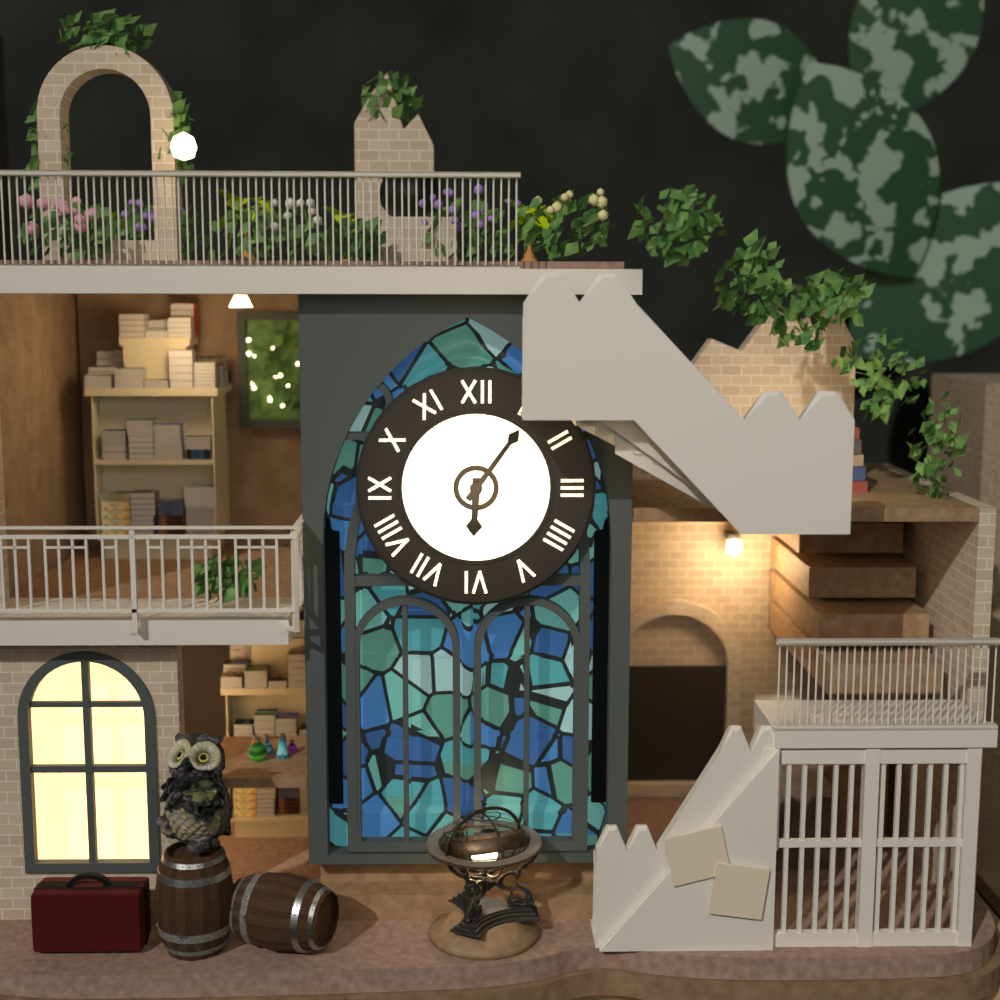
6:06
